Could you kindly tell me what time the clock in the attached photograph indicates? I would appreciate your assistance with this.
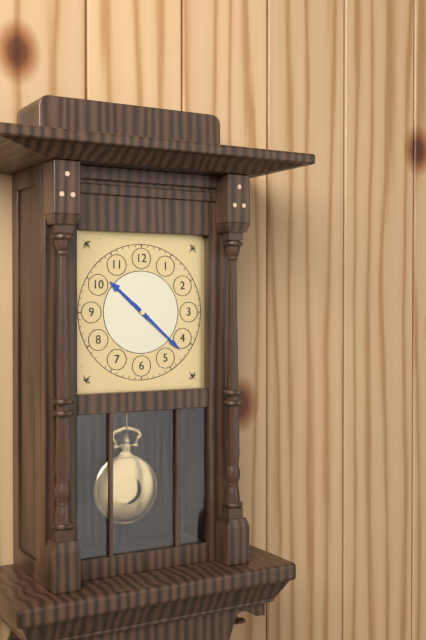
10:22
